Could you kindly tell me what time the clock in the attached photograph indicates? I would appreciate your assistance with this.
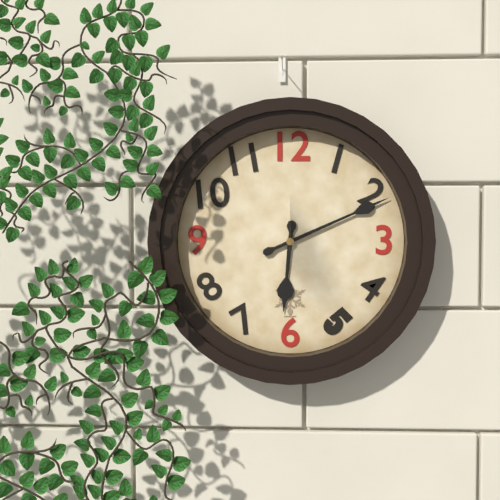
6:11
